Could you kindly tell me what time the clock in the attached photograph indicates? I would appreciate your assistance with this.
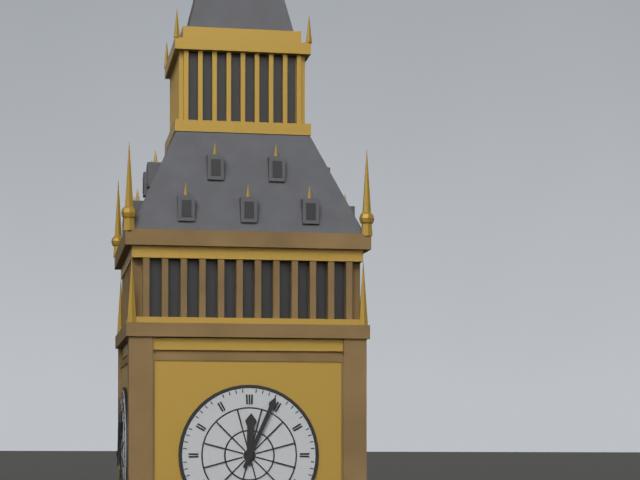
12:04
